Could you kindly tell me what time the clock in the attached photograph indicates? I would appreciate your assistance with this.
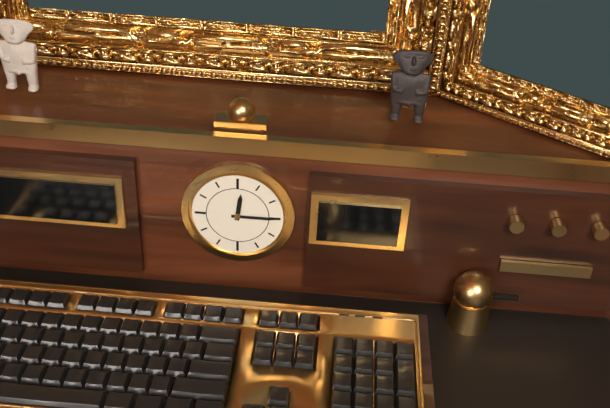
12:15
